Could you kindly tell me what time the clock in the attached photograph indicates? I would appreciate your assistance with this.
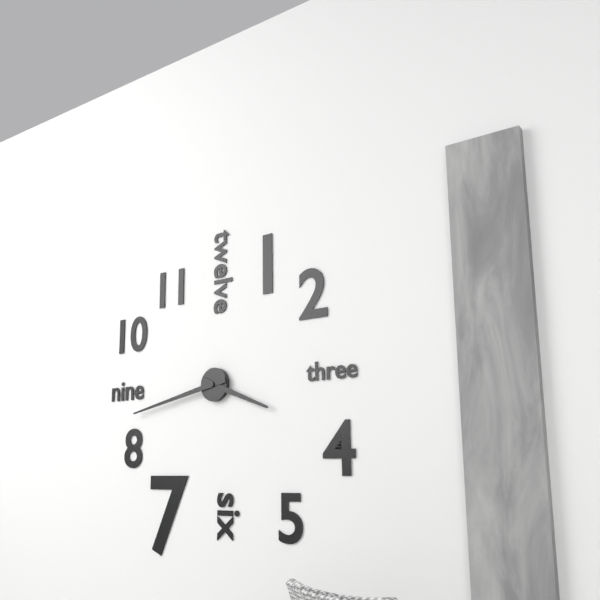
3:43
